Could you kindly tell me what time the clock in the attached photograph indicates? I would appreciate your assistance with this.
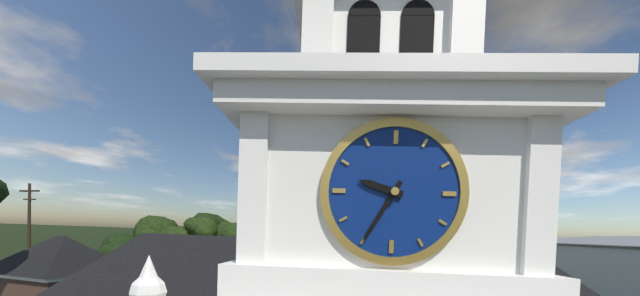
9:35
